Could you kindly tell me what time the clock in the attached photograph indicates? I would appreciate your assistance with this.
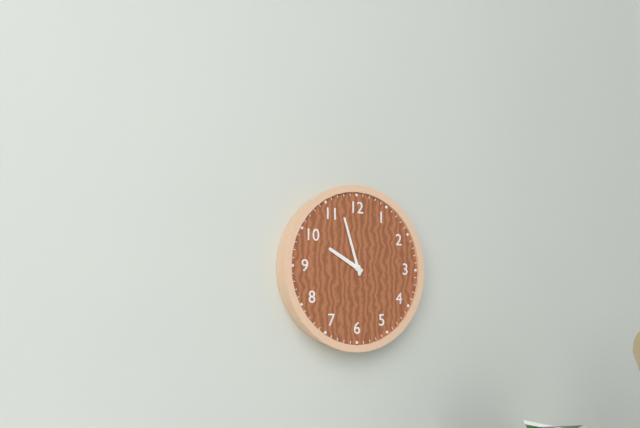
9:57
